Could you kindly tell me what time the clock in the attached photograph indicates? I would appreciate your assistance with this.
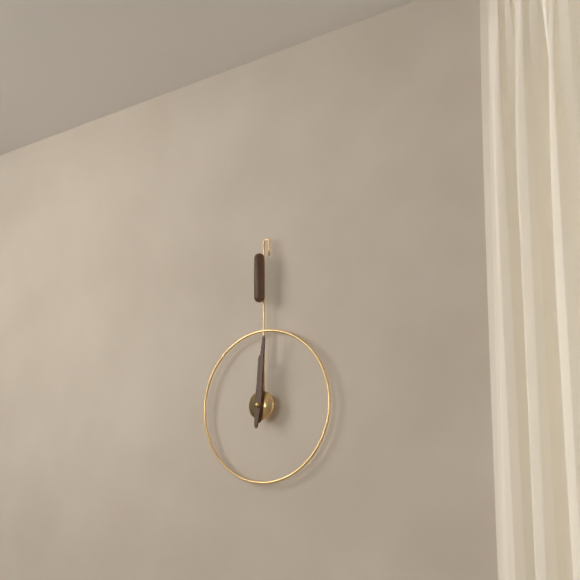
12:01
